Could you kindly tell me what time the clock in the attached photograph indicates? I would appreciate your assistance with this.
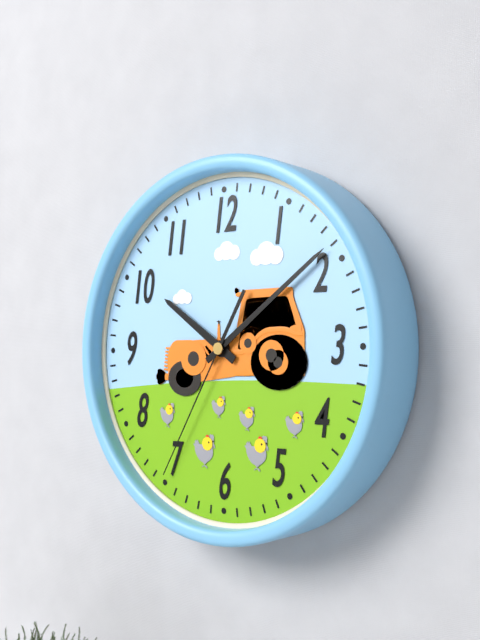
10:09:35
